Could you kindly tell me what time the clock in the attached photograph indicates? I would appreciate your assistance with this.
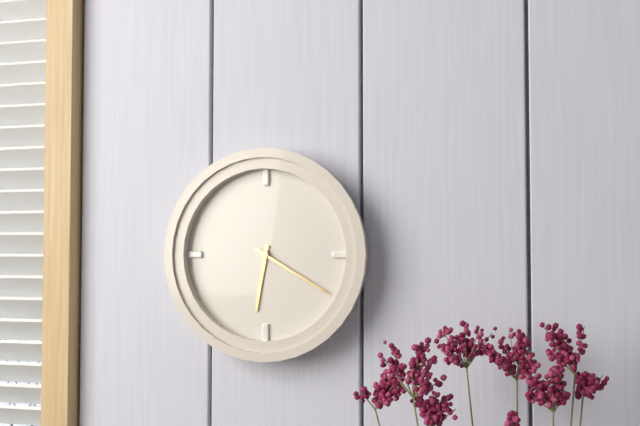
6:20
